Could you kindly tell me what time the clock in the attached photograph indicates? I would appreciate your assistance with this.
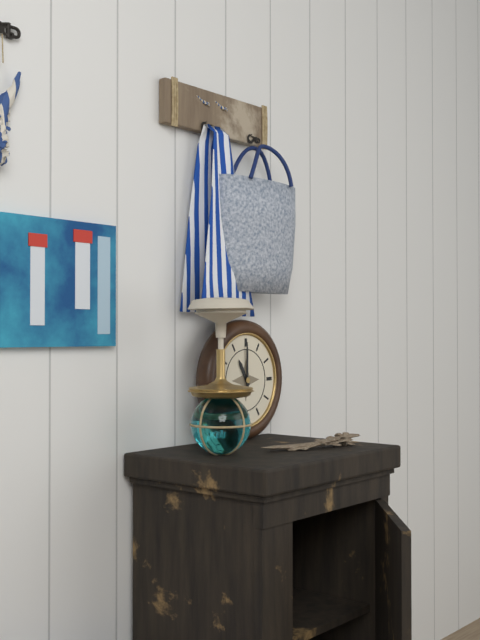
11:00
